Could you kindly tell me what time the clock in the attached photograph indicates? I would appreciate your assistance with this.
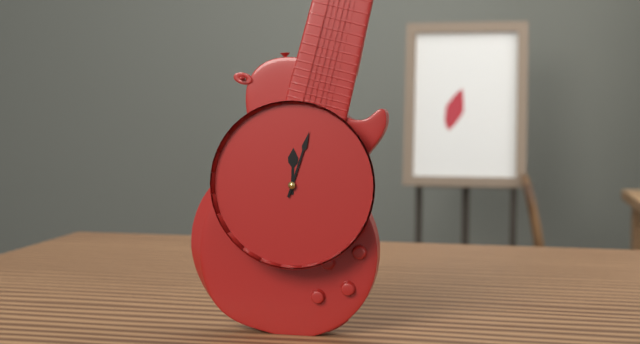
12:03
